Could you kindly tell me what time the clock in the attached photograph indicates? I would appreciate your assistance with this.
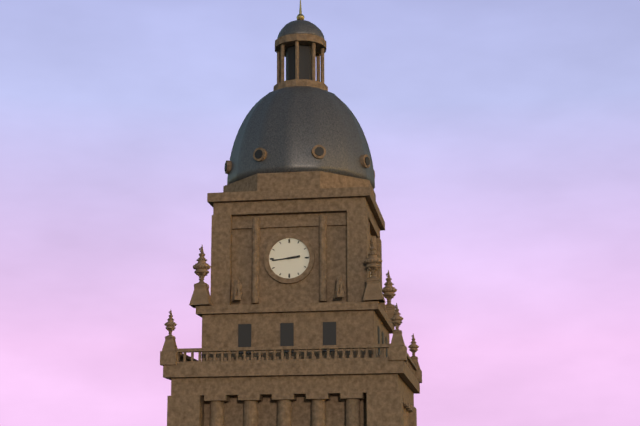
2:44
